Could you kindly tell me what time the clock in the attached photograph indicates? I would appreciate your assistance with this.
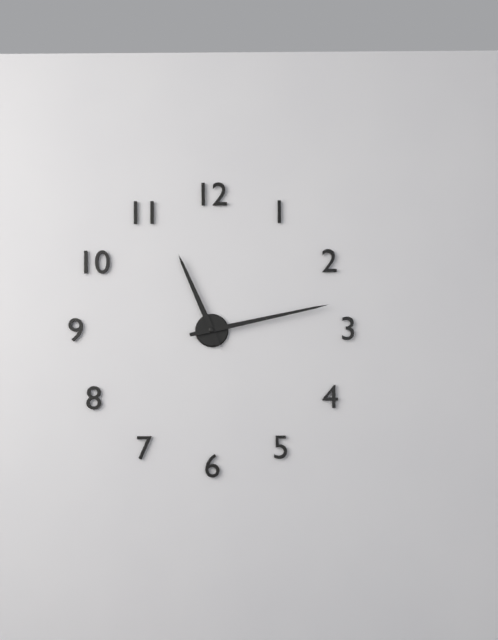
11:13
